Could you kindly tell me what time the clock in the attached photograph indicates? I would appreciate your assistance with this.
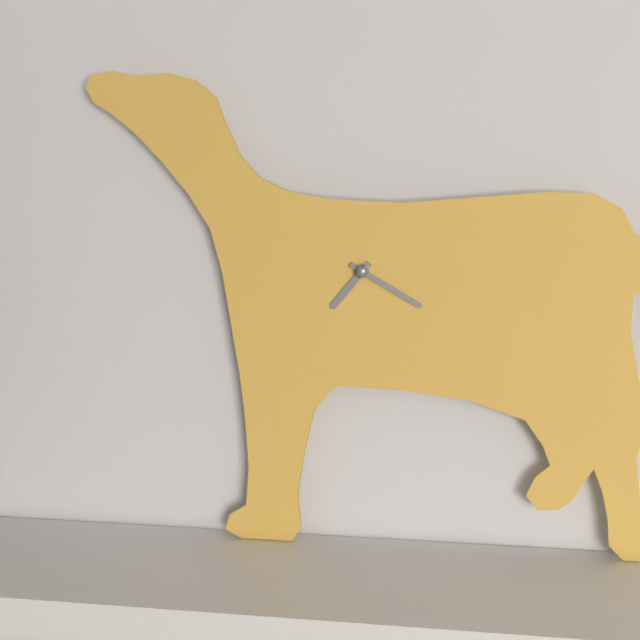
7:20
